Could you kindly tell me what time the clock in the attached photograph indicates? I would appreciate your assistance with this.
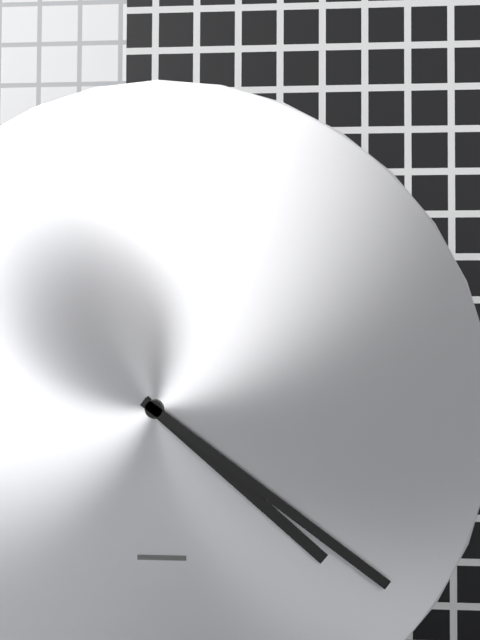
4:21
